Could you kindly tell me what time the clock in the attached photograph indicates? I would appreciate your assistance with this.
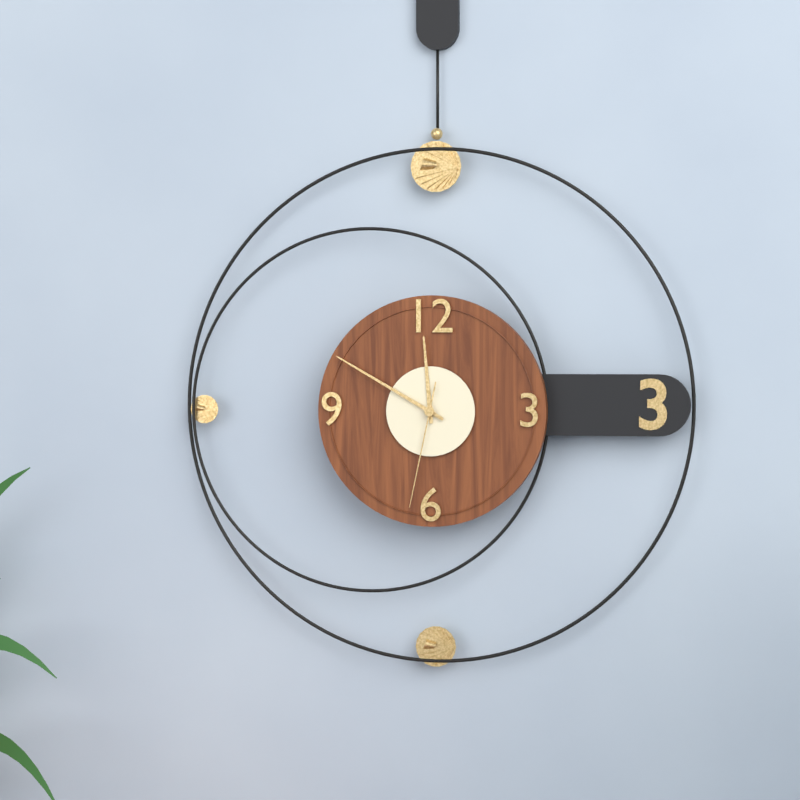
11:50:32
